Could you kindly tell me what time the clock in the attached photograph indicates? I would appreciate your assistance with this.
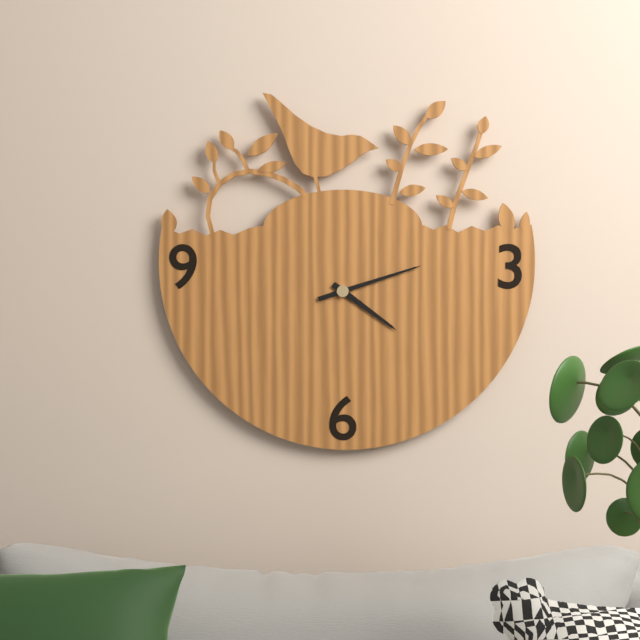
4:12
